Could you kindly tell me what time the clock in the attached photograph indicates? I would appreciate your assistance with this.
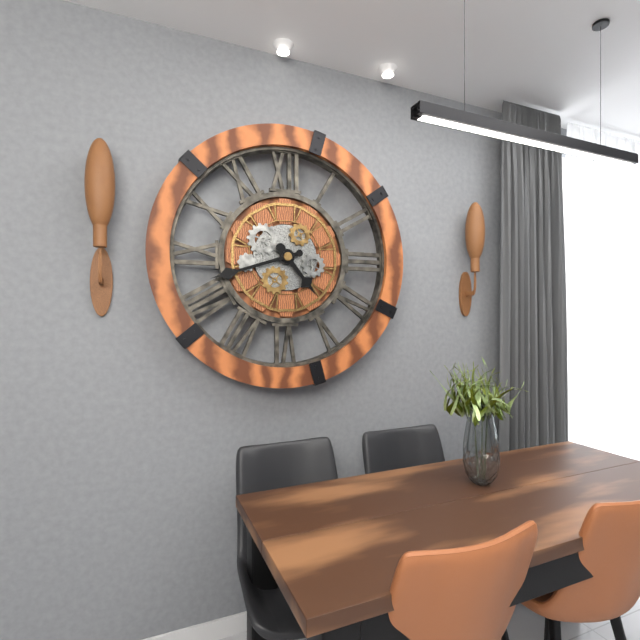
4:42
